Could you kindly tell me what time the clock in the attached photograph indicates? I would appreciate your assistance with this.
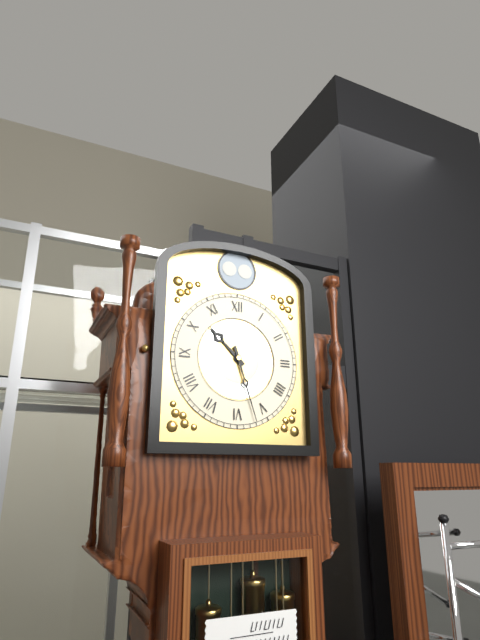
10:27
